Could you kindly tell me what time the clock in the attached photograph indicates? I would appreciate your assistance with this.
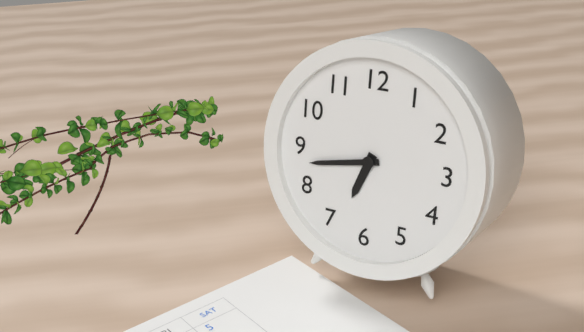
6:43
